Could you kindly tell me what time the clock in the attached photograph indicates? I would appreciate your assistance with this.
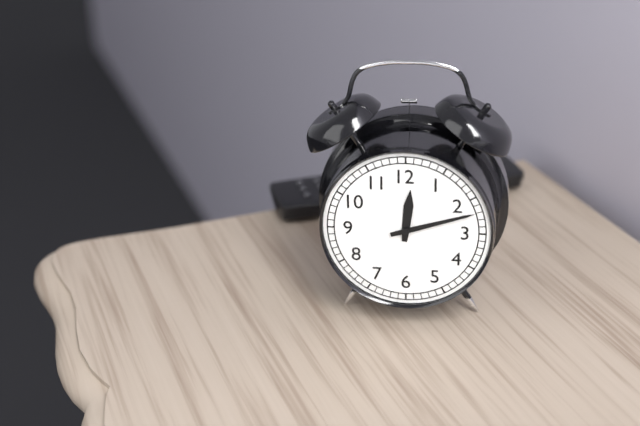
12:12
